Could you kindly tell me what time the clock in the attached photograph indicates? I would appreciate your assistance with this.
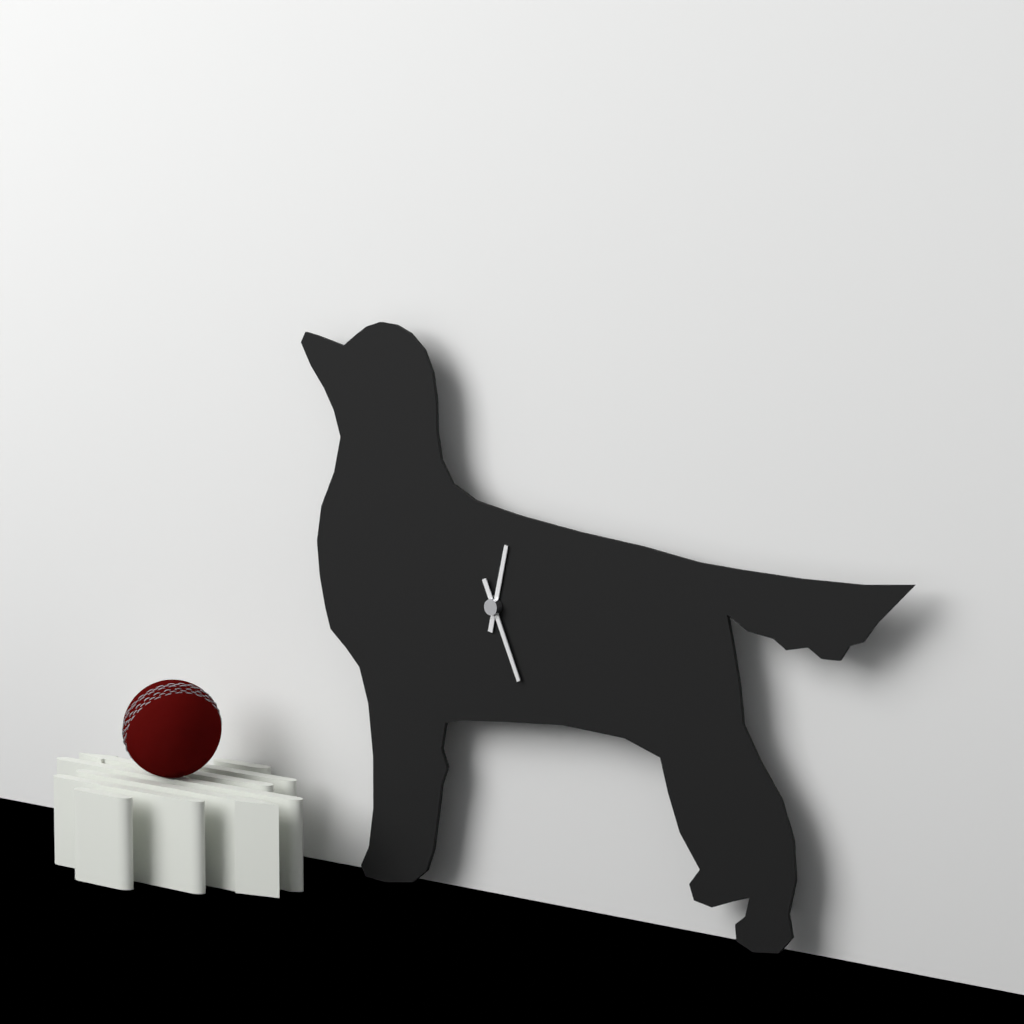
12:26
